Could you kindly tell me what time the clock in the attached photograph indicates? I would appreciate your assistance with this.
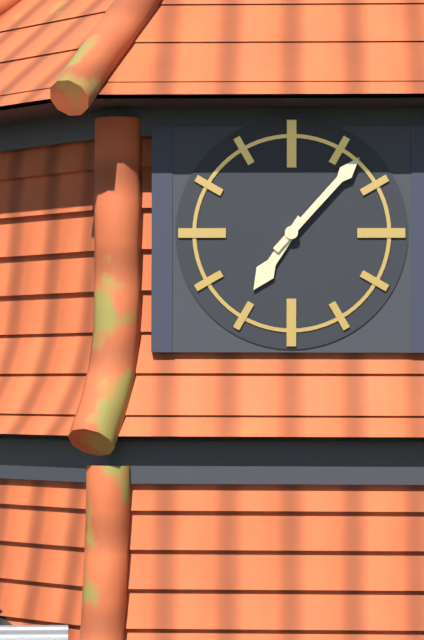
7:07
